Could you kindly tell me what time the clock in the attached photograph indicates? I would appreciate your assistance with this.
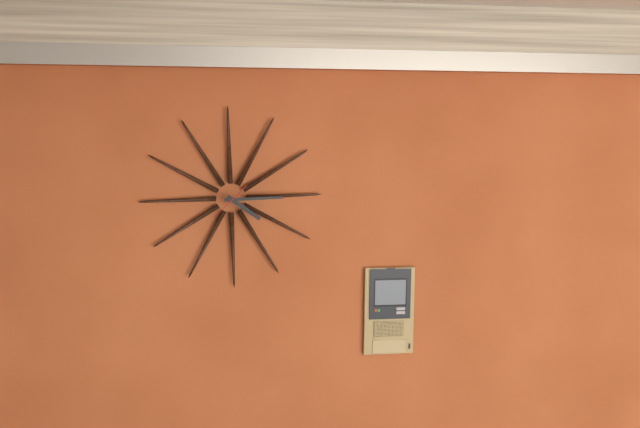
4:15
